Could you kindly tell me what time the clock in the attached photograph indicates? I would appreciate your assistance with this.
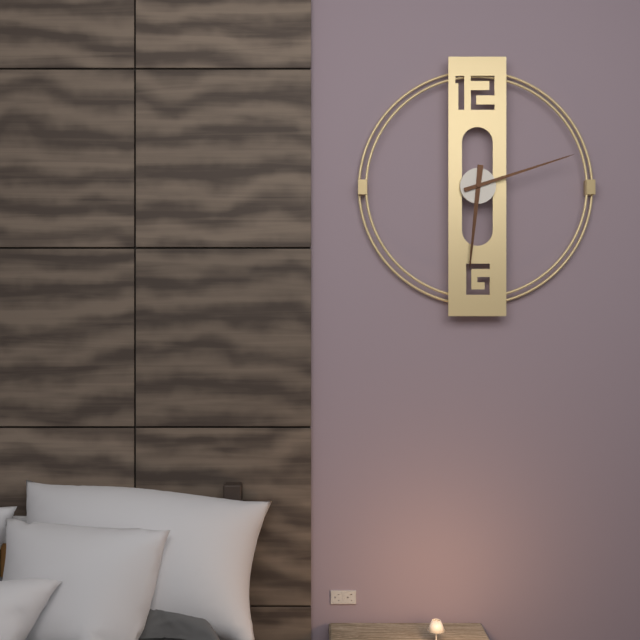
6:12
